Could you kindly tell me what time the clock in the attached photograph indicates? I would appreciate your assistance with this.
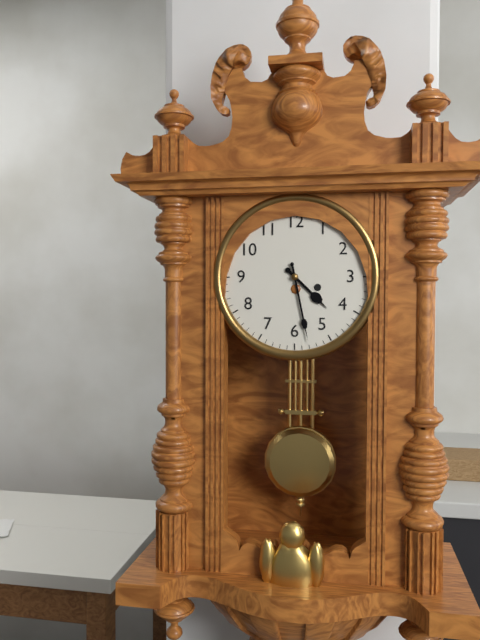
4:28
